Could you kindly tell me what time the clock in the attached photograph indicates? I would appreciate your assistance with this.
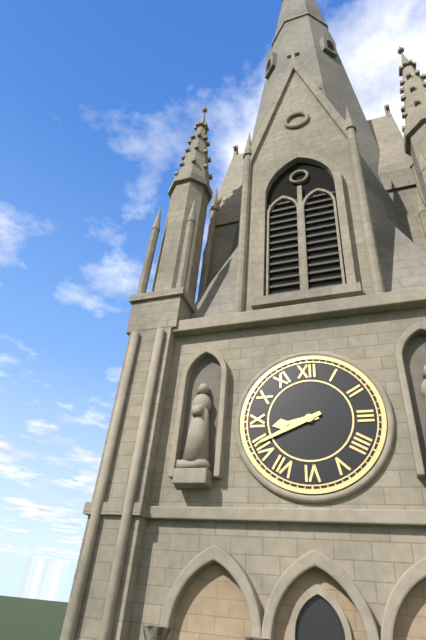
8:41
